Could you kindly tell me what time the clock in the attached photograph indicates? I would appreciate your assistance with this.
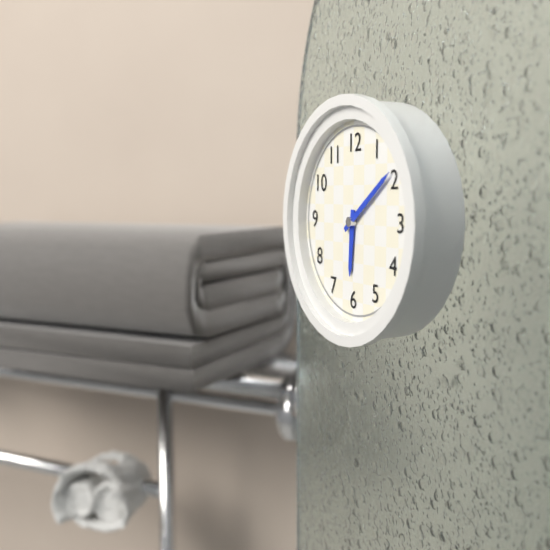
6:09
